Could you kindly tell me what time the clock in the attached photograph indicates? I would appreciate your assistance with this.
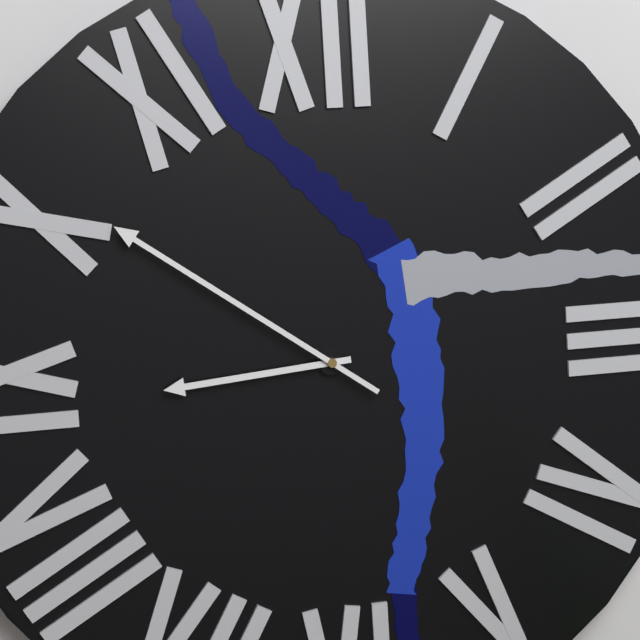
8:51
